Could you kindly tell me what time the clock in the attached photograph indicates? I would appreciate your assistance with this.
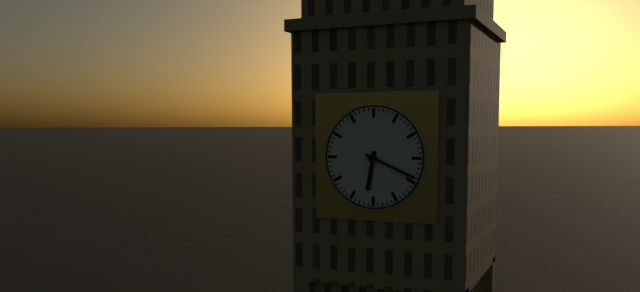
6:19
